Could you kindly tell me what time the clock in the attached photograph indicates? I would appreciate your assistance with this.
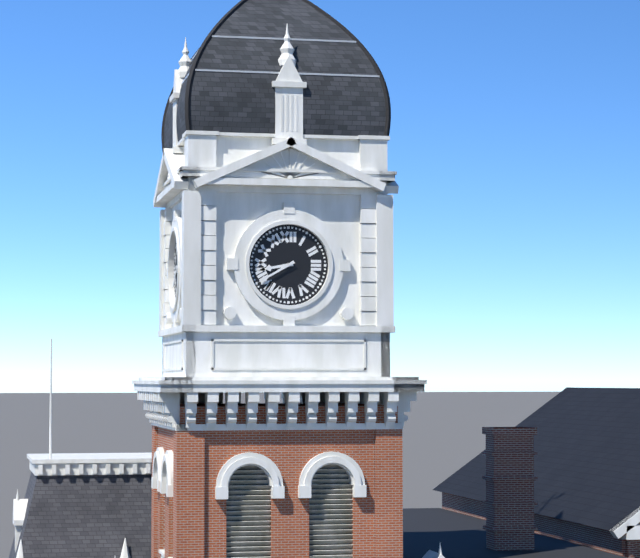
8:40
